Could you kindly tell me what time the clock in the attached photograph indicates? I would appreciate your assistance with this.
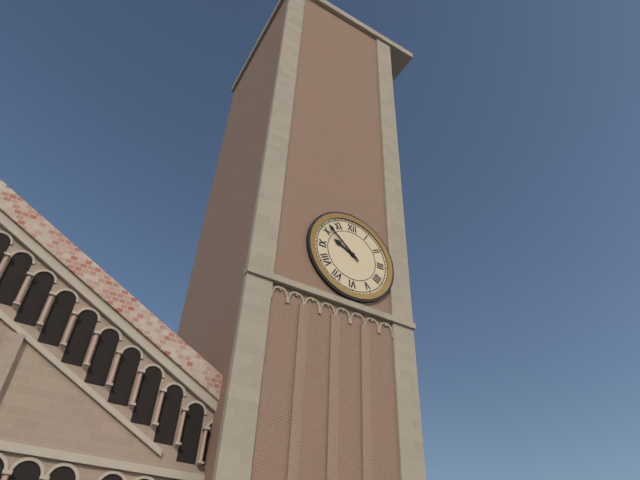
9:52
